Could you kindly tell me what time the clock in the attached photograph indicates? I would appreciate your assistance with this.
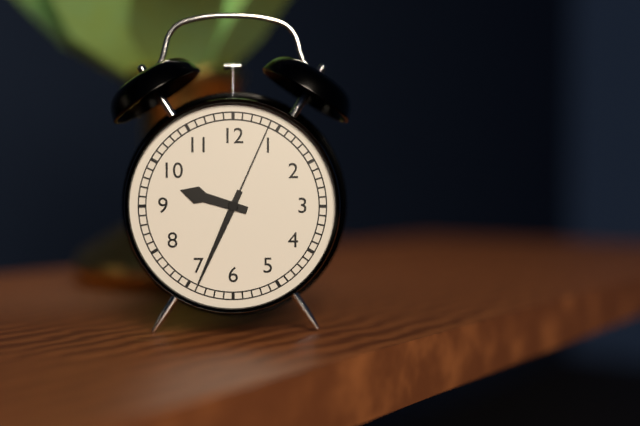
9:34:04
